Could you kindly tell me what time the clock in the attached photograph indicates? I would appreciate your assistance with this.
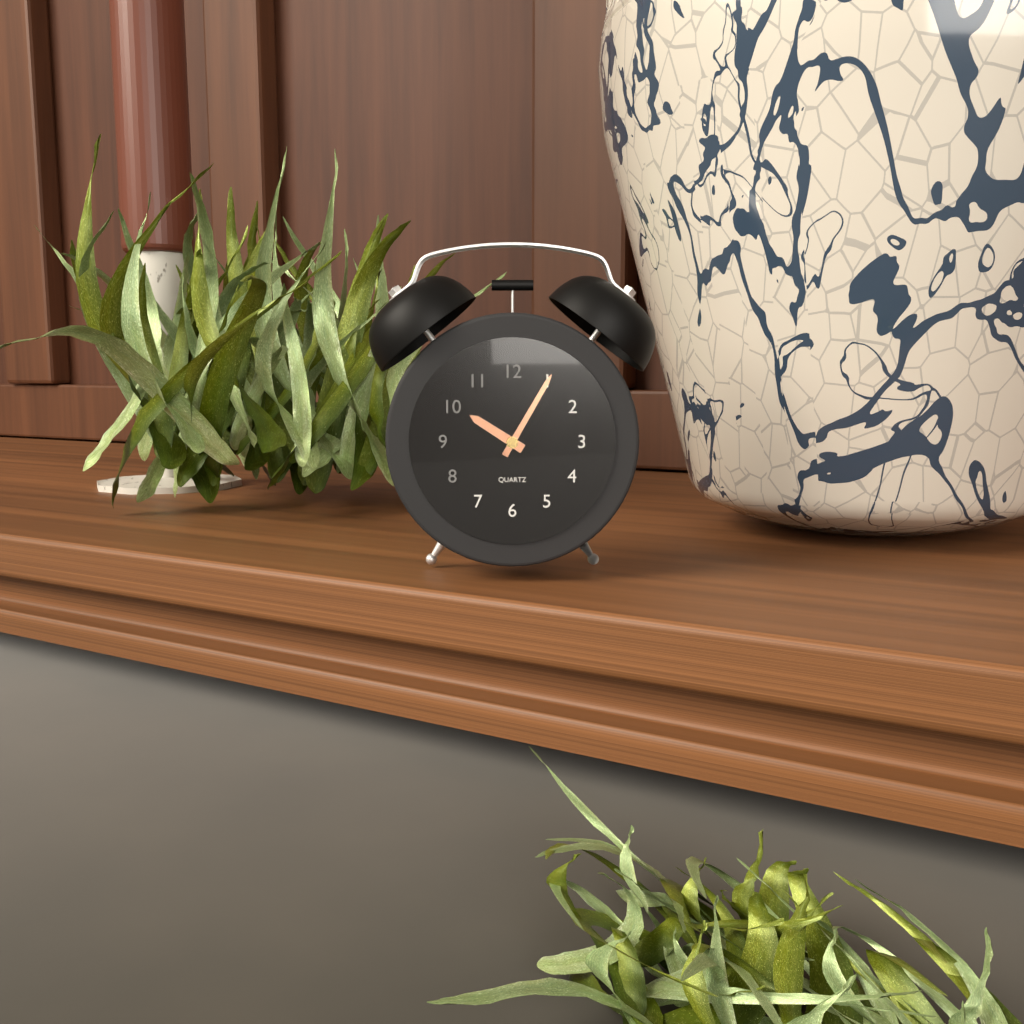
10:05
